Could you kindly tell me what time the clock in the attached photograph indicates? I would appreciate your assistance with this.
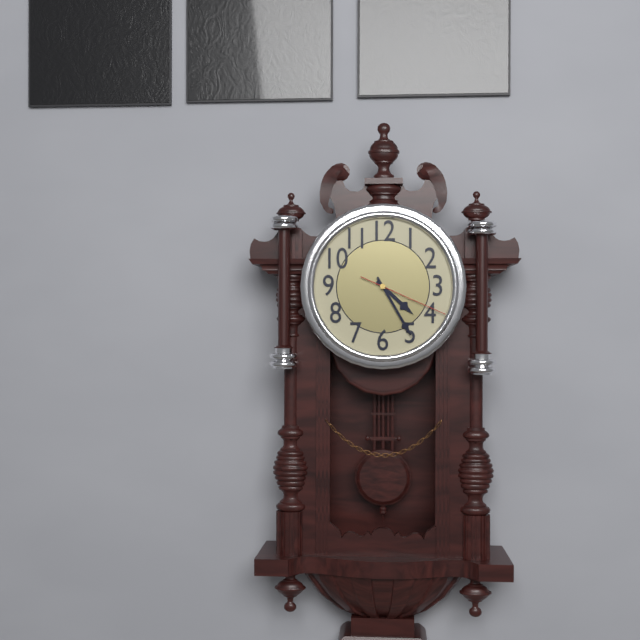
4:25:19
